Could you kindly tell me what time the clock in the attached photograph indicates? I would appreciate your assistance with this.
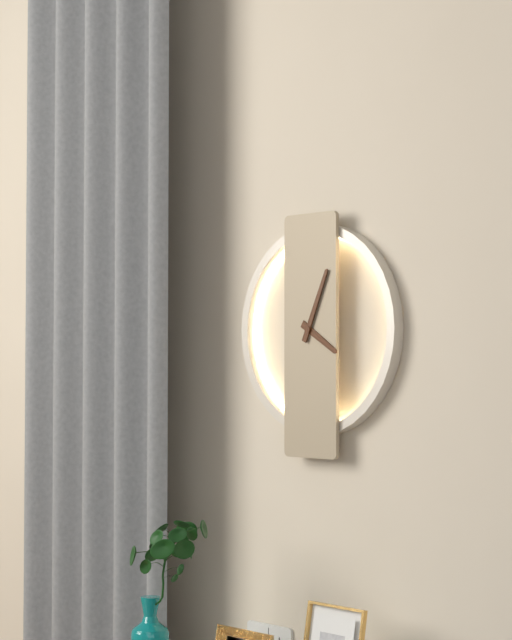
4:04
